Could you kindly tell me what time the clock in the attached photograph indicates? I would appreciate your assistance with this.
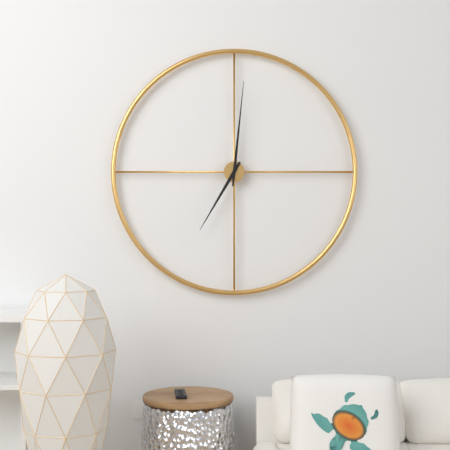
7:01
